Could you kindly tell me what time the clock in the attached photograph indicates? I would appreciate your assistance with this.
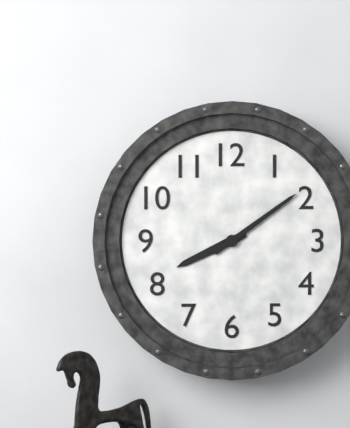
8:09
